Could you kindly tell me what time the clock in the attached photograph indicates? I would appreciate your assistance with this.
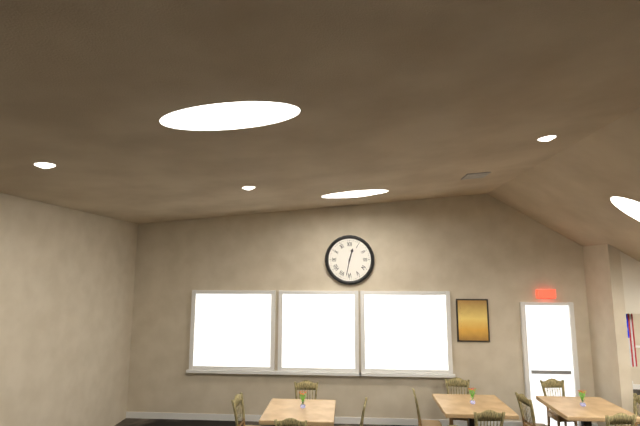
12:32
